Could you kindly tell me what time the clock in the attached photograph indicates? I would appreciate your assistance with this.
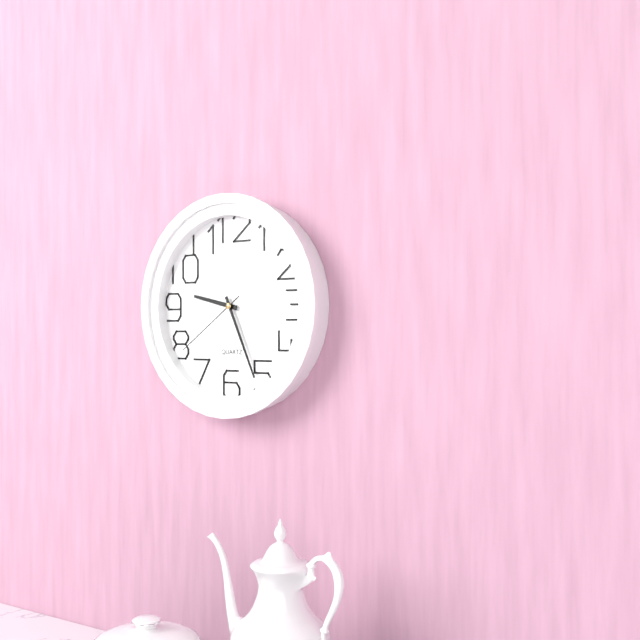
9:26:39
